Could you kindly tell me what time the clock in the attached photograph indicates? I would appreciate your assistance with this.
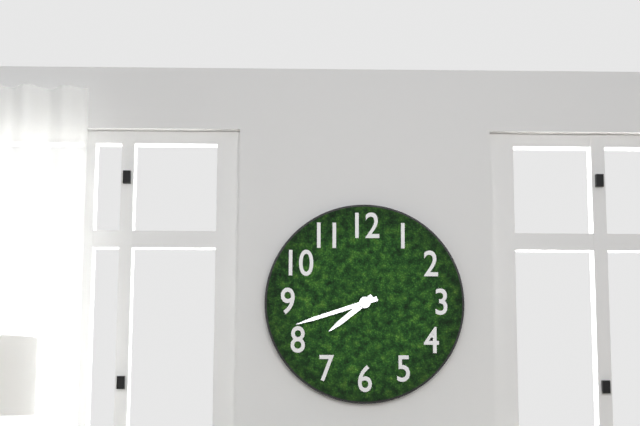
7:42
